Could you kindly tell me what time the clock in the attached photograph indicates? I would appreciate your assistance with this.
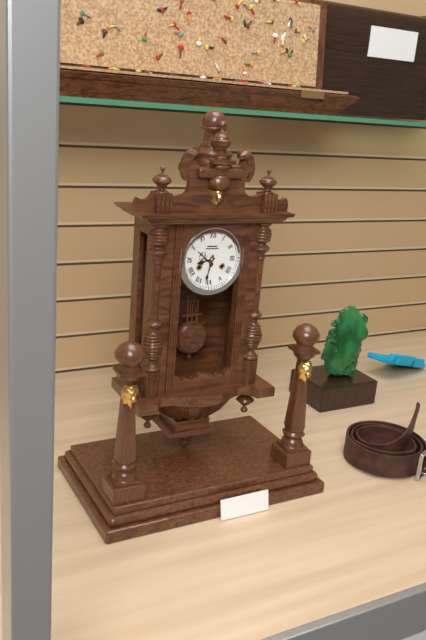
8:32
